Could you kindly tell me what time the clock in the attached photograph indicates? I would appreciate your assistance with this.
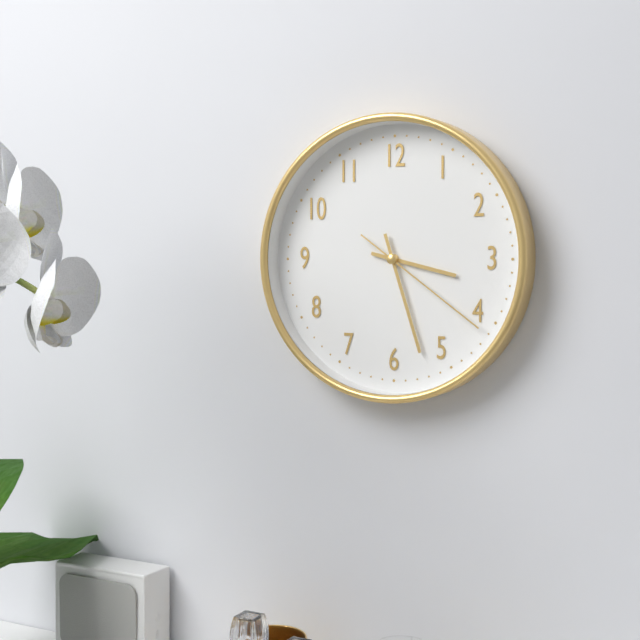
3:27:21
